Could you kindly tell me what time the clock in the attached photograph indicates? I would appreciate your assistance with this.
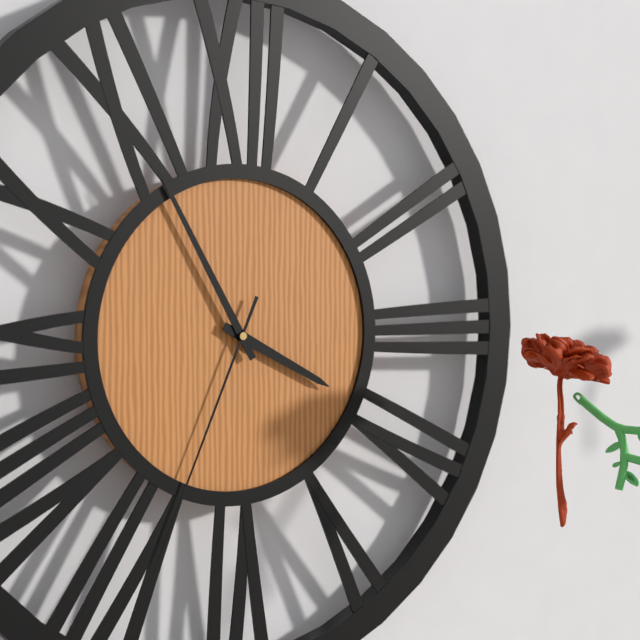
3:55:34
